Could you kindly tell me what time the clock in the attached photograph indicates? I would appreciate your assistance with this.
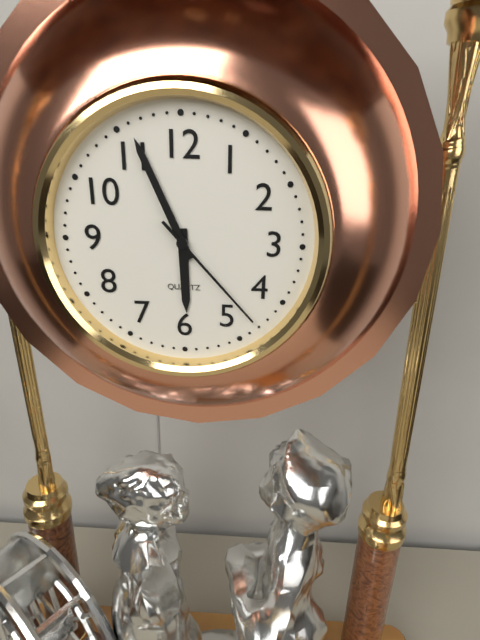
5:56:23
